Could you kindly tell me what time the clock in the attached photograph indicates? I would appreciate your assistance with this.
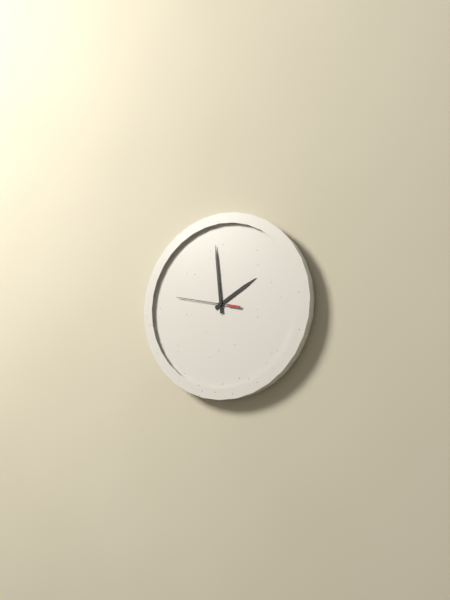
1:59:47
